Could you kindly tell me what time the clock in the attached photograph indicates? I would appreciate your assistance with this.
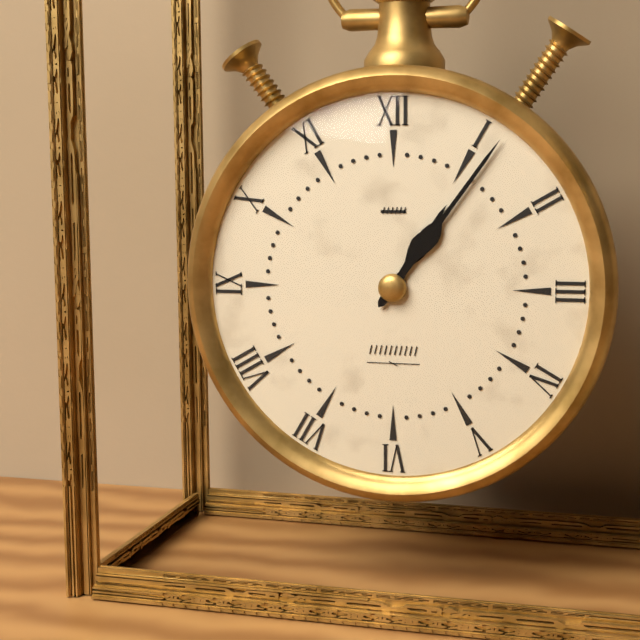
1:06
